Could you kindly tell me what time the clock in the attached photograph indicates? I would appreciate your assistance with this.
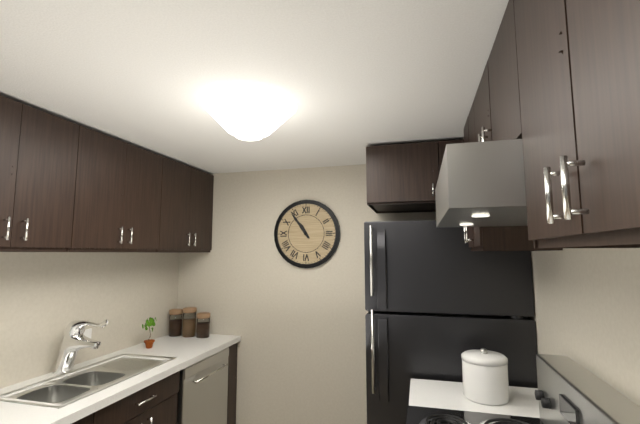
10:54
